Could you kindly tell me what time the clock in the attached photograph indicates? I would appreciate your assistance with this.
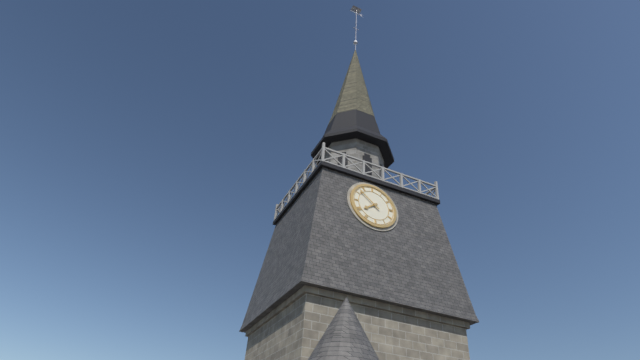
7:52
